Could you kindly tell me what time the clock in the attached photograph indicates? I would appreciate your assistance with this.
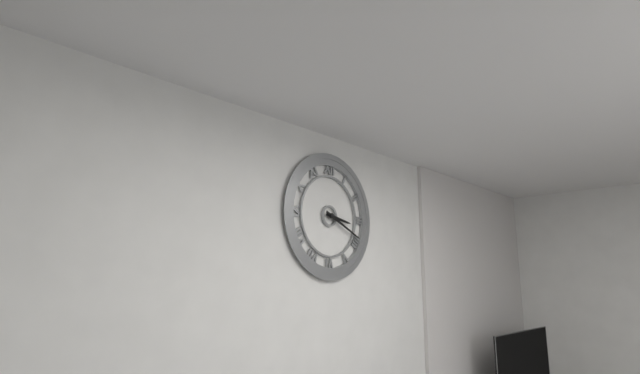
3:19
